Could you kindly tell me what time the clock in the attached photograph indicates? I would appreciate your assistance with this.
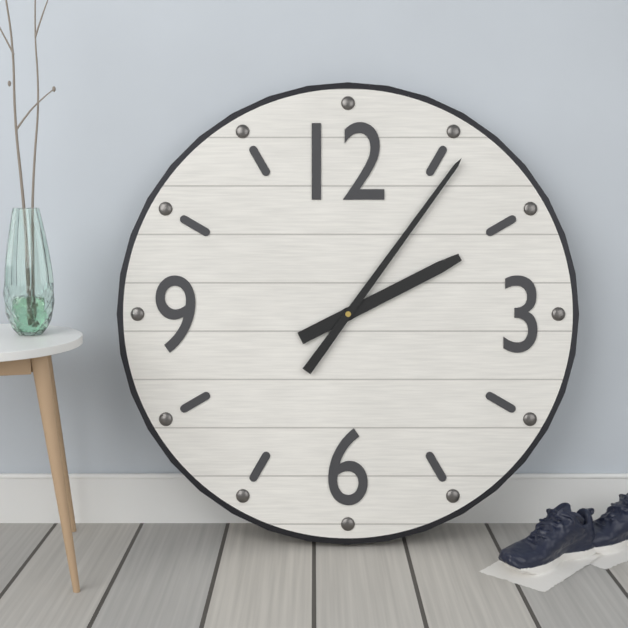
2:06
